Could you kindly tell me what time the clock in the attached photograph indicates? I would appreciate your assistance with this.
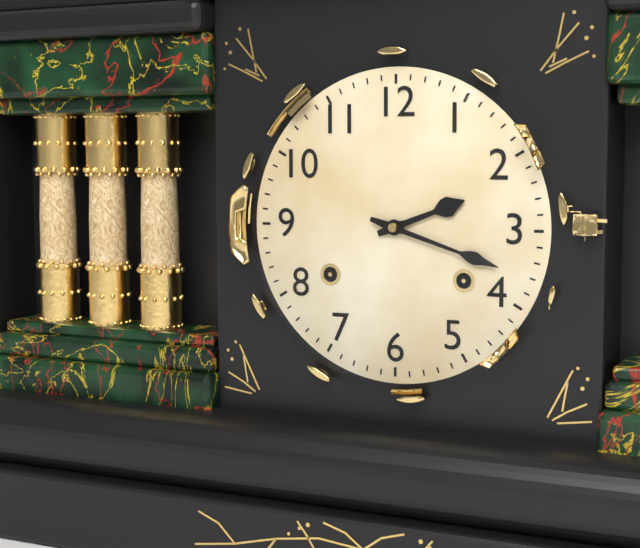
2:18
